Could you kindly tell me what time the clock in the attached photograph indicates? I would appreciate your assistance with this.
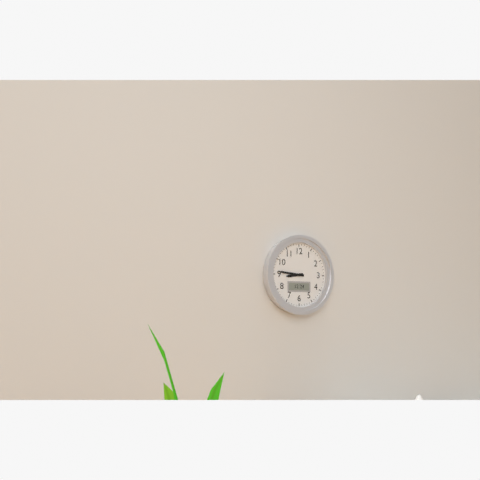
8:46
